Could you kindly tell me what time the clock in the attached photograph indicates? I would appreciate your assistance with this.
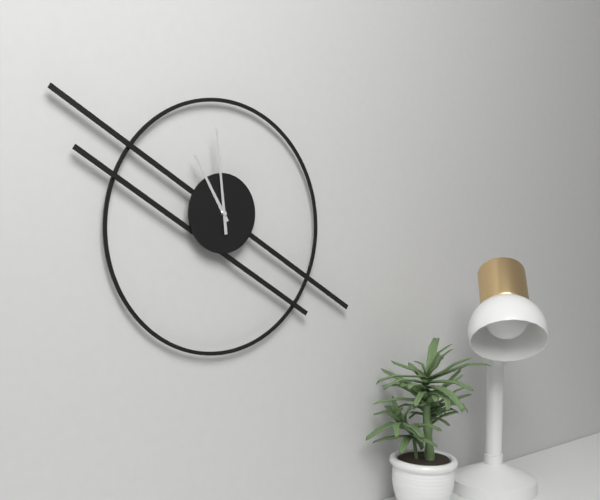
10:59
